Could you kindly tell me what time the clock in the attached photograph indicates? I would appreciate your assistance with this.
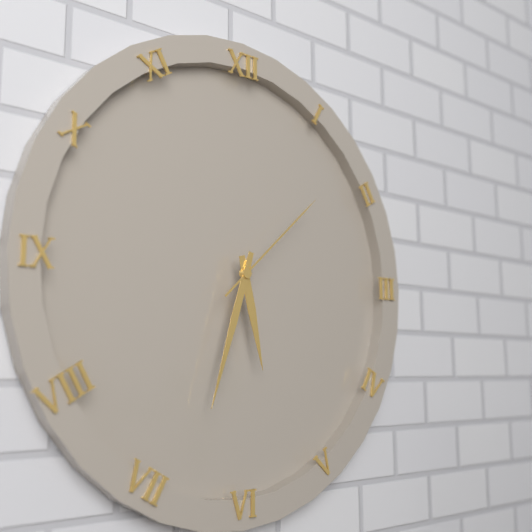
5:33:08
